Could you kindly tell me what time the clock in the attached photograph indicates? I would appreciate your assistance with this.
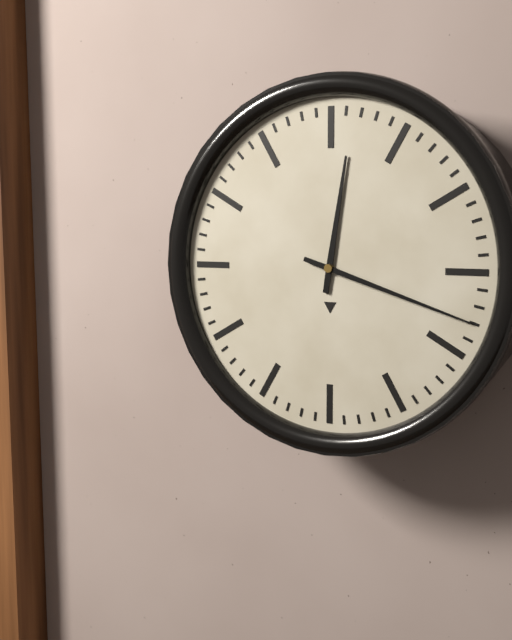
12:18
